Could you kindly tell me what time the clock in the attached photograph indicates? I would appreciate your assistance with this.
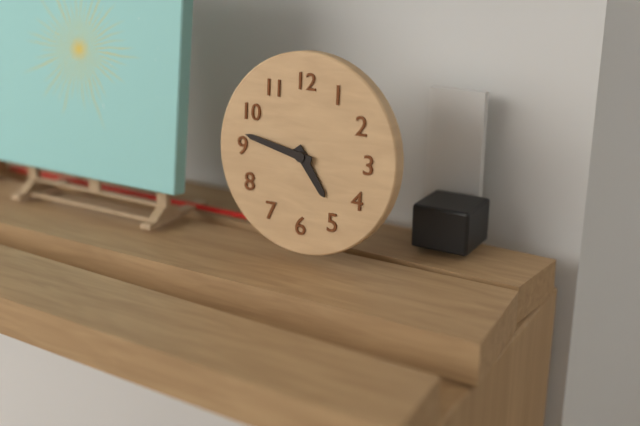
4:47
